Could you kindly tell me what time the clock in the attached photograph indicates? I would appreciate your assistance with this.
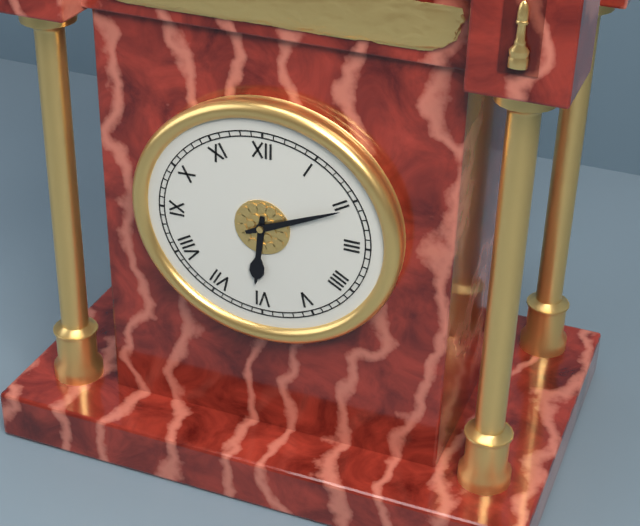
6:11
